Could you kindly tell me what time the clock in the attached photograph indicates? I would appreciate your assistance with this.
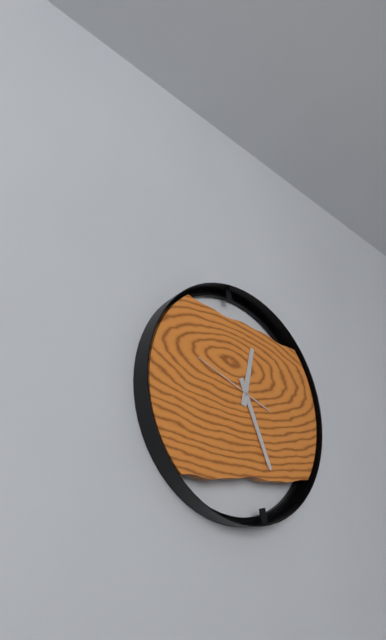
12:26:48
